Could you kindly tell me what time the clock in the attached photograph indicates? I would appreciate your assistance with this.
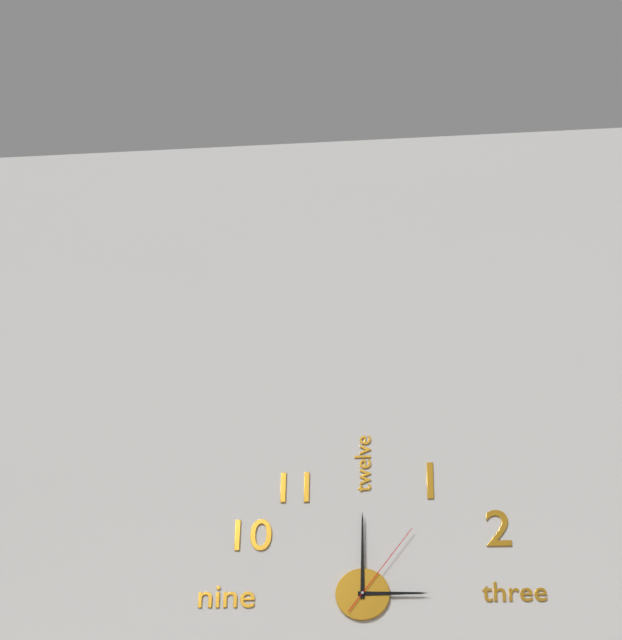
3:00:06
